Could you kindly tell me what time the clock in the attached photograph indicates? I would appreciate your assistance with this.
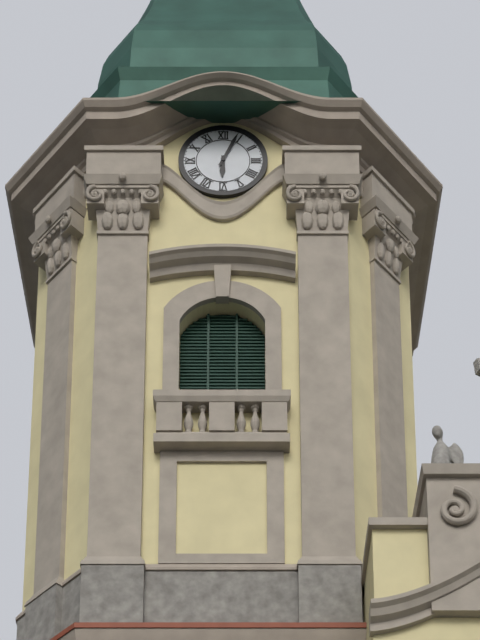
6:04
